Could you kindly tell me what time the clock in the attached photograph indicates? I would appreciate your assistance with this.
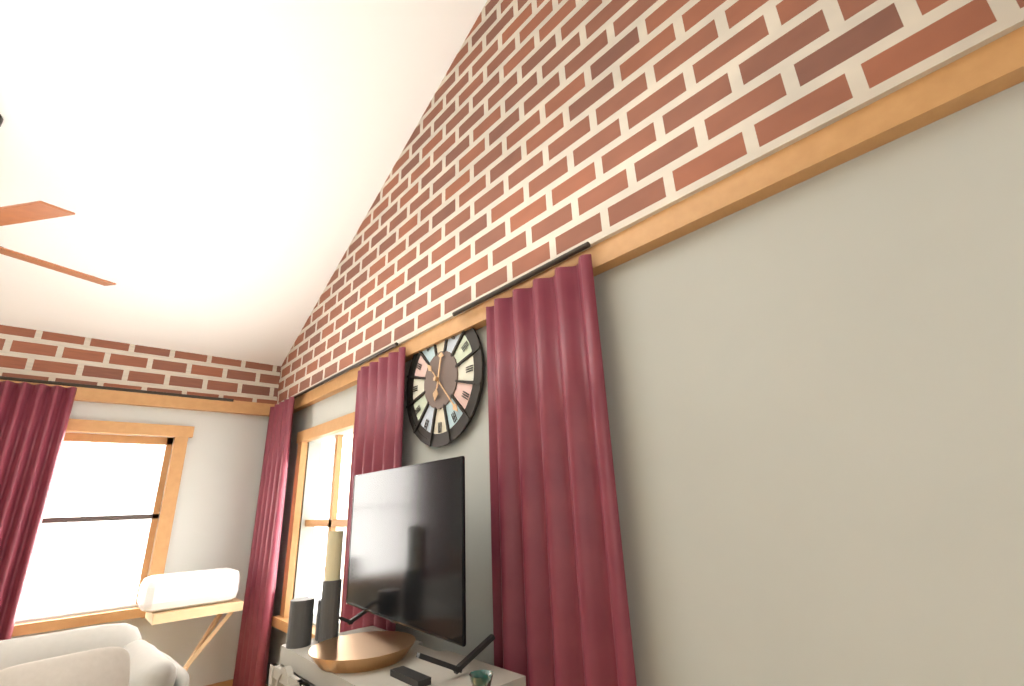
12:23
